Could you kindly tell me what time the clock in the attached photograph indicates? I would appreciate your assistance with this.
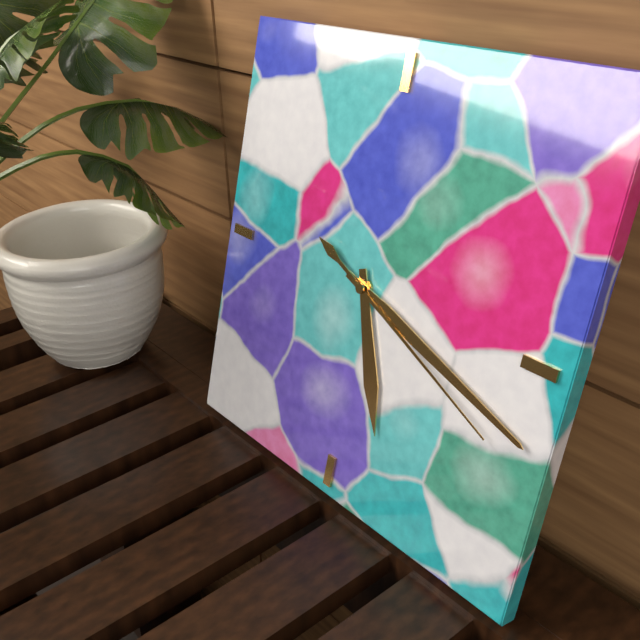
5:18:19
